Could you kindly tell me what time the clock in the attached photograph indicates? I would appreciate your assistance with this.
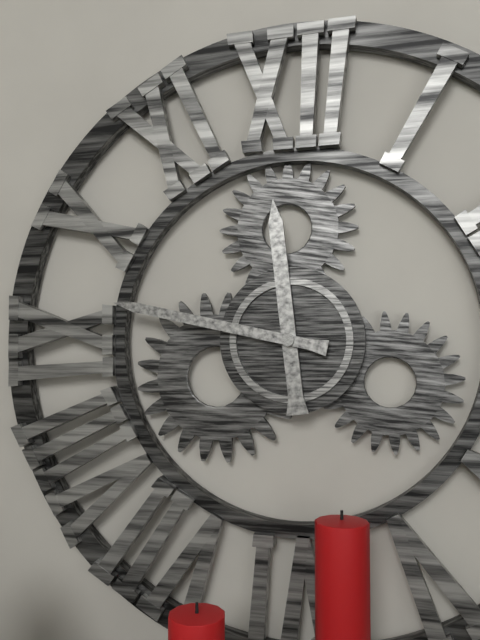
11:47
